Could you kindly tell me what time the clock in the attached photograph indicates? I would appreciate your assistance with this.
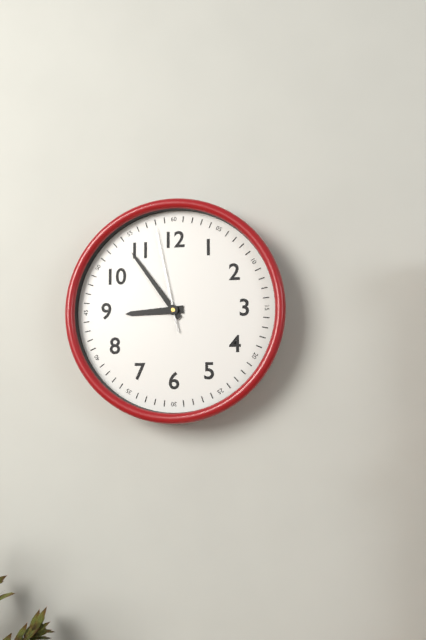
8:54:58
